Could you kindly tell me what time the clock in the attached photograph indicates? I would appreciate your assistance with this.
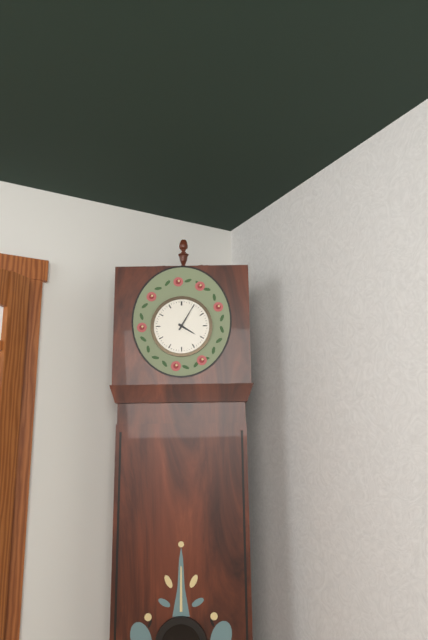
4:05
